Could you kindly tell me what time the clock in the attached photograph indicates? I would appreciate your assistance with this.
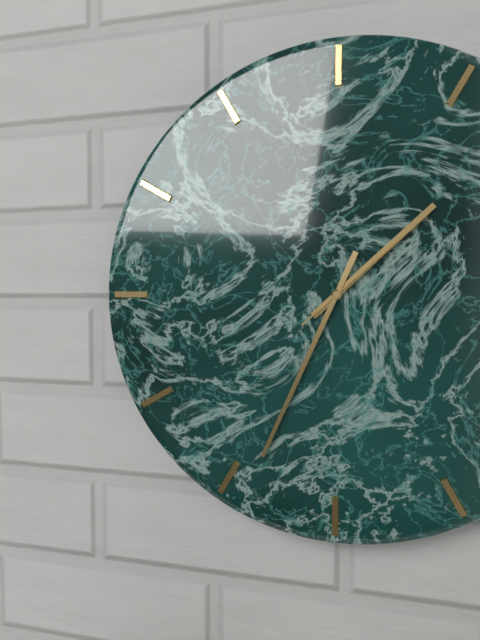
1:34:08
